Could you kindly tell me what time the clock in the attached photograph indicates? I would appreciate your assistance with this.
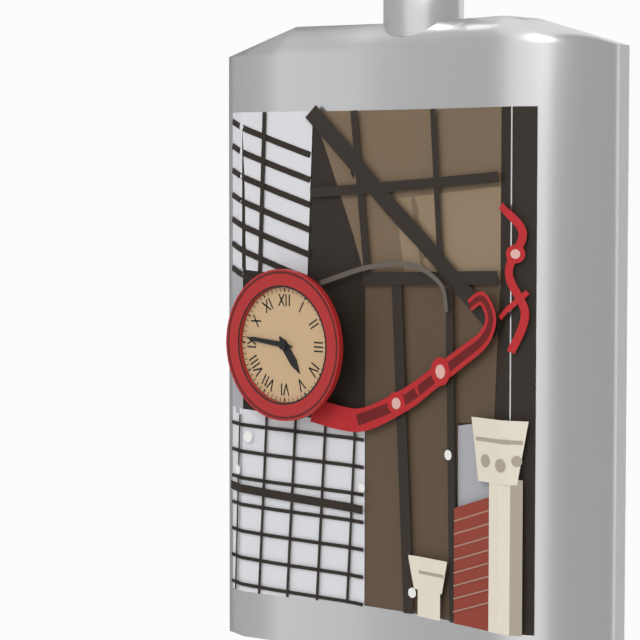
4:46
